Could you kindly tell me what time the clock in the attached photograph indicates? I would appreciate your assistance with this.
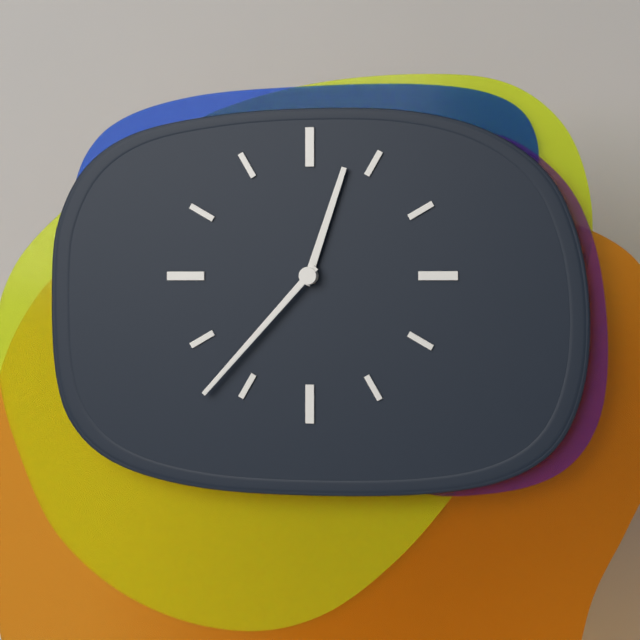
12:37
